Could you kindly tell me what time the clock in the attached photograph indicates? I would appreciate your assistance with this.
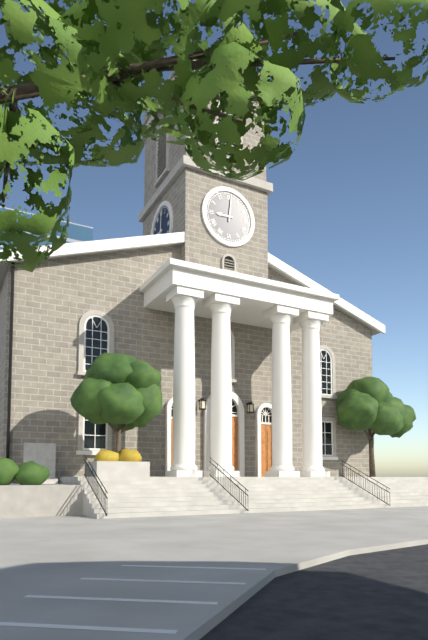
9:01
